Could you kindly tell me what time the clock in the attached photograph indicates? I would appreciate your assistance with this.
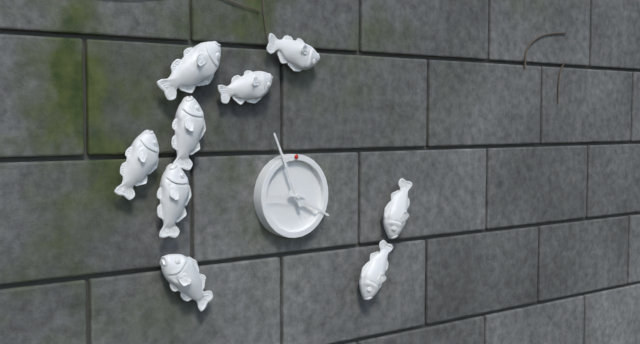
3:56
